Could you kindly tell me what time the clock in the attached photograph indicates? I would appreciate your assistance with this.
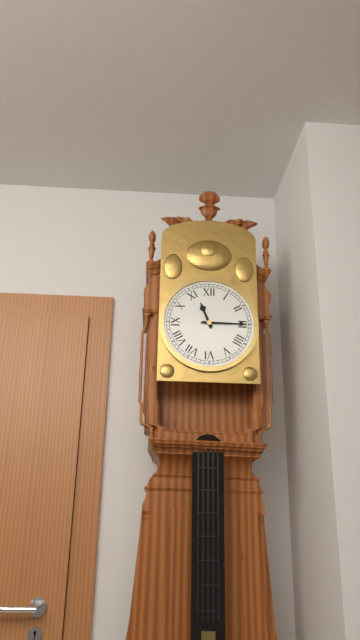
11:15
